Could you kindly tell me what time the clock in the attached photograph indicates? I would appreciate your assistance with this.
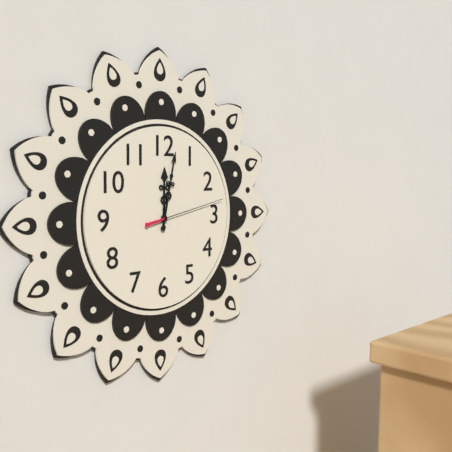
12:02:13
